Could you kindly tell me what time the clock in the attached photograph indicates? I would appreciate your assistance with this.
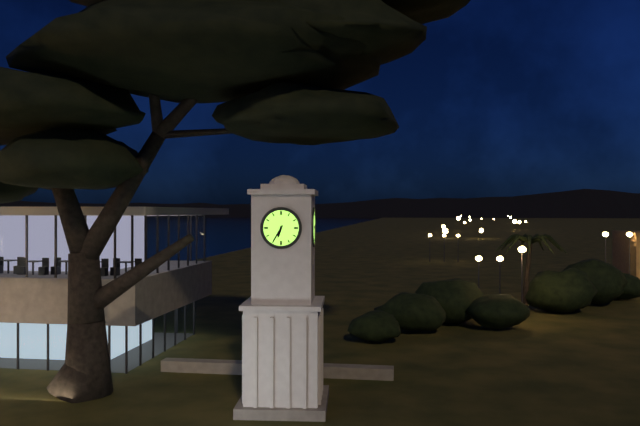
6:35
